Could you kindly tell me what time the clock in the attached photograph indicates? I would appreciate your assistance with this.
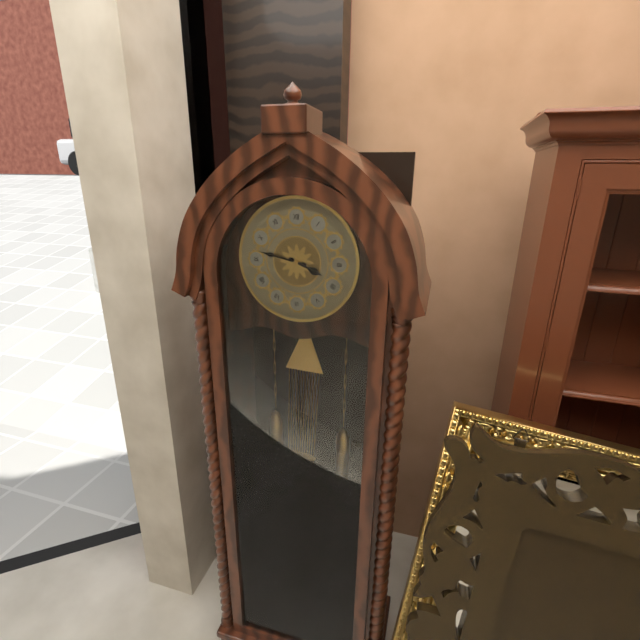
3:47
